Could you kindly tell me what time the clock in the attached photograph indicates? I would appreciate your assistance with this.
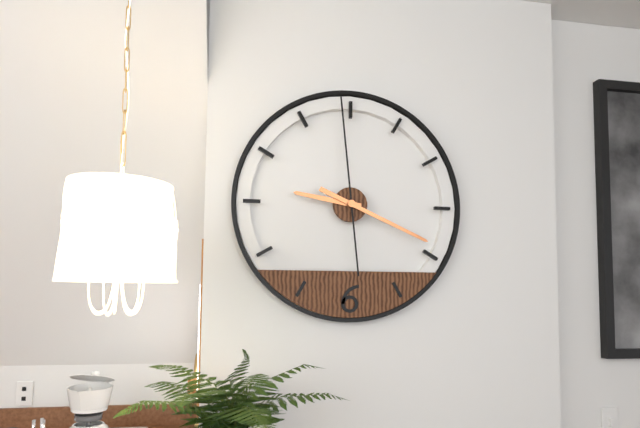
9:19:59
